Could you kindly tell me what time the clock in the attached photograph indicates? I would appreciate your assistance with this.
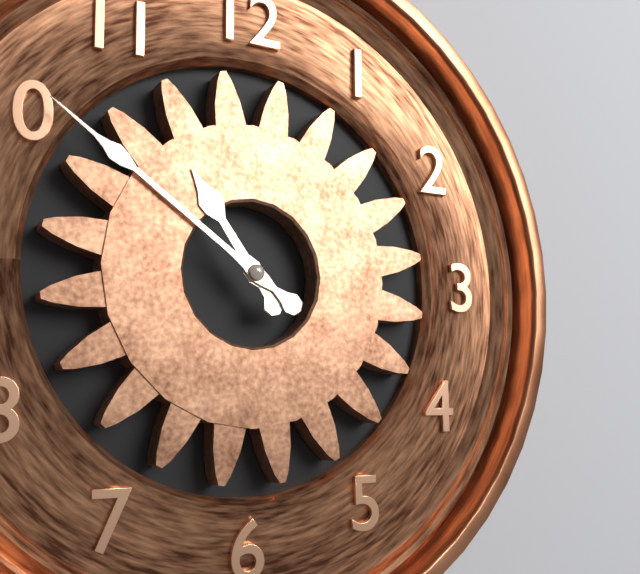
10:51
